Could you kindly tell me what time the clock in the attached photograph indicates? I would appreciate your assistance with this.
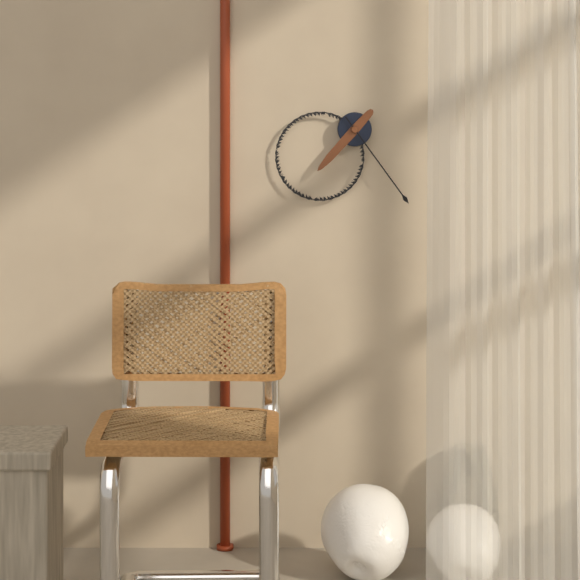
7:24
